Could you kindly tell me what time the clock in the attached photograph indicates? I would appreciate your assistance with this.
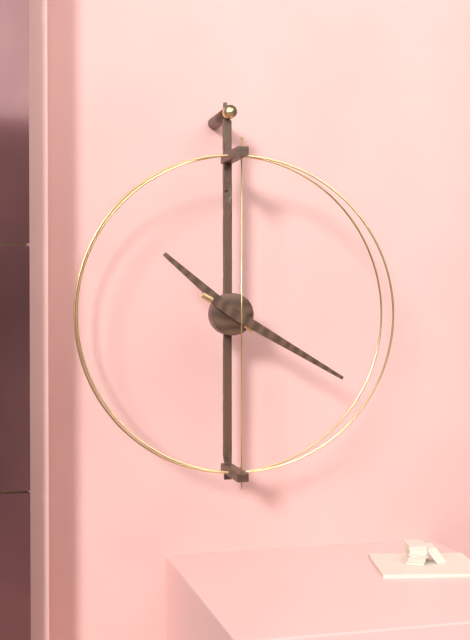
10:20
